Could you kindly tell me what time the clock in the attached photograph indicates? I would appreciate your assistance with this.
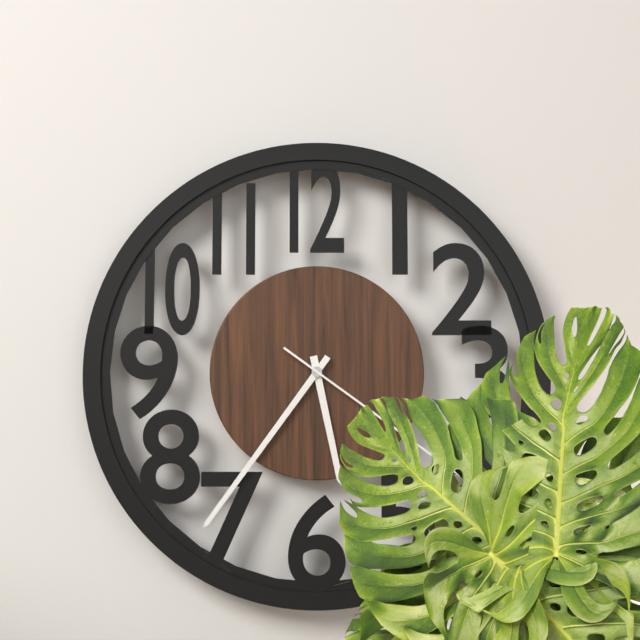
5:36
